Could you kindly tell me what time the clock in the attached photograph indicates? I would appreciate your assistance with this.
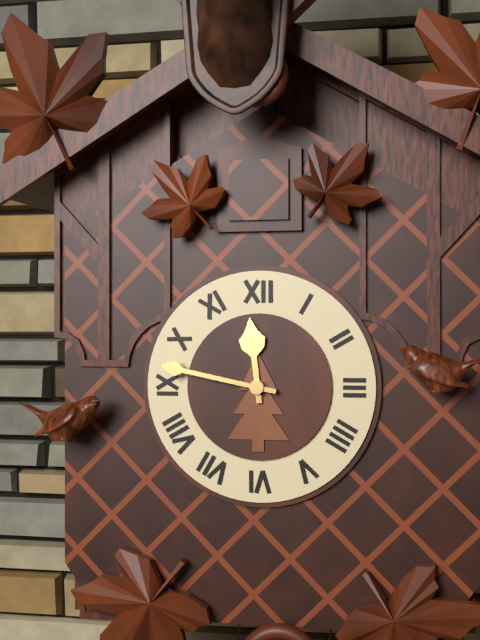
11:47
